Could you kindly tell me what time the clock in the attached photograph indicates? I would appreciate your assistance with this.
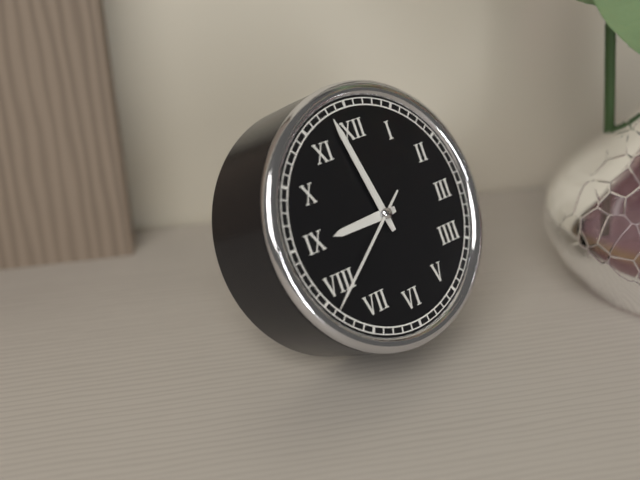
8:58:39
